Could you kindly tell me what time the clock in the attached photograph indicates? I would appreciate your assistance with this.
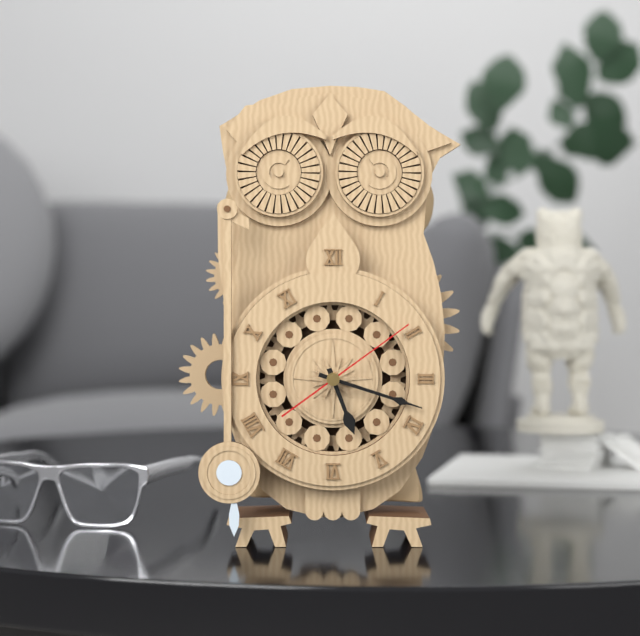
5:18:09
